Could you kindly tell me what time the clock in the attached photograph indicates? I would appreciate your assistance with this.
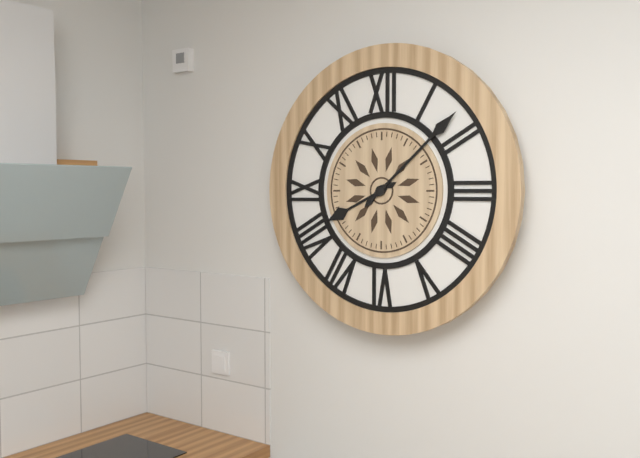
8:08
